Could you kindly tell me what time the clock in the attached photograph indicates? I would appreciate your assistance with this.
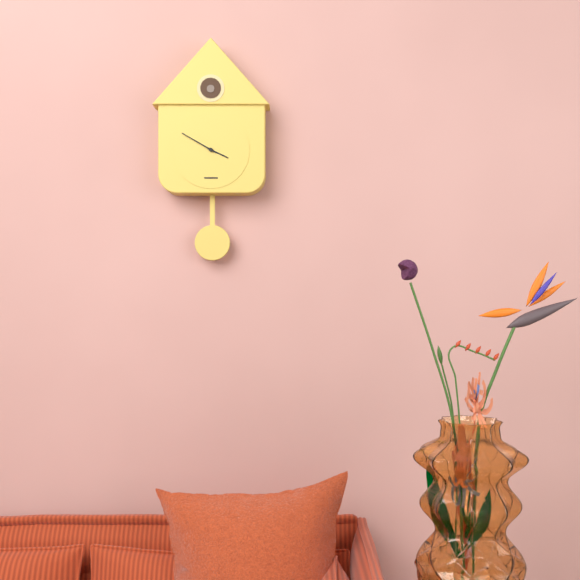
3:50
